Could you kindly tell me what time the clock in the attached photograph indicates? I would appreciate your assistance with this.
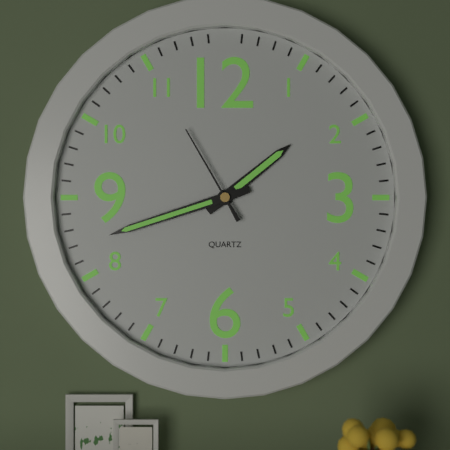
1:42:55
